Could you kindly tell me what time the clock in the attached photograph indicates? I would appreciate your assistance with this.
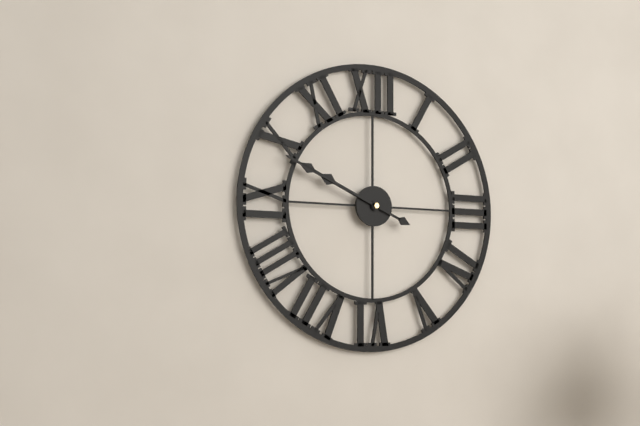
9:49
